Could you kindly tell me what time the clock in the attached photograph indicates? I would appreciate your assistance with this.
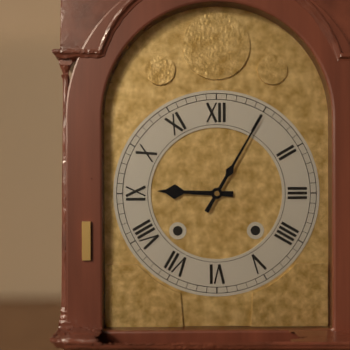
9:05
